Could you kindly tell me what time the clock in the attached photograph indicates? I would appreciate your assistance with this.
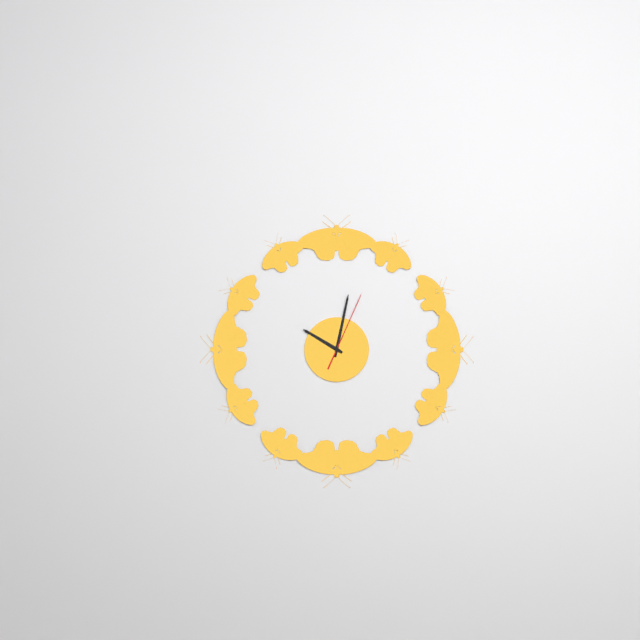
10:02:04
